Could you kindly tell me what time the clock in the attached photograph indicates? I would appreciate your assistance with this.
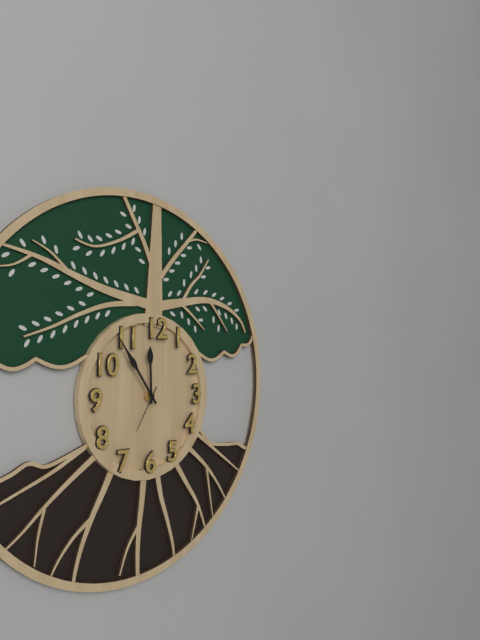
11:54
